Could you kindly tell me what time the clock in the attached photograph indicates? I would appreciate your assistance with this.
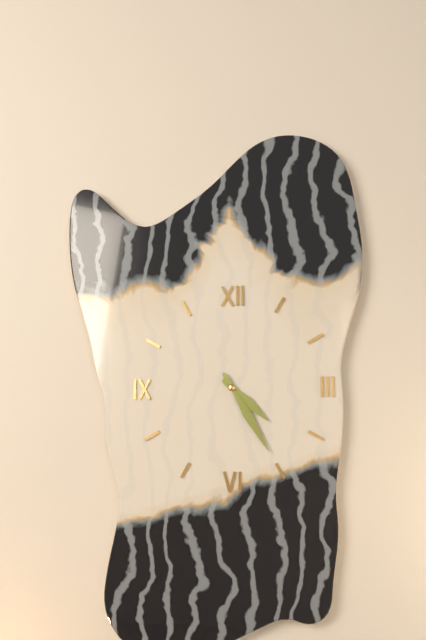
4:25
